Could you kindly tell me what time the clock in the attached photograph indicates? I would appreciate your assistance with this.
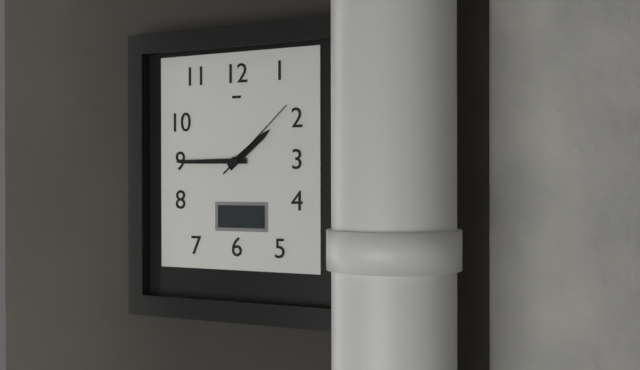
1:45:08
